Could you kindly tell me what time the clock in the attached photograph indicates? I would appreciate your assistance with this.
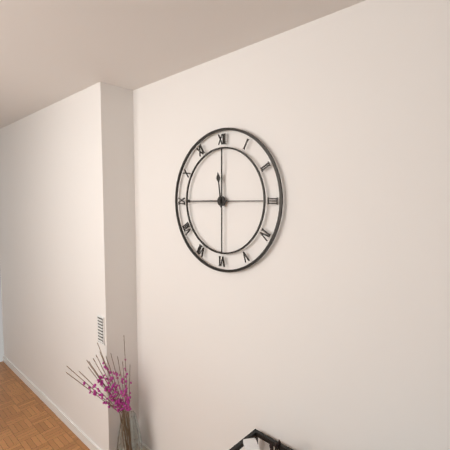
11:45
